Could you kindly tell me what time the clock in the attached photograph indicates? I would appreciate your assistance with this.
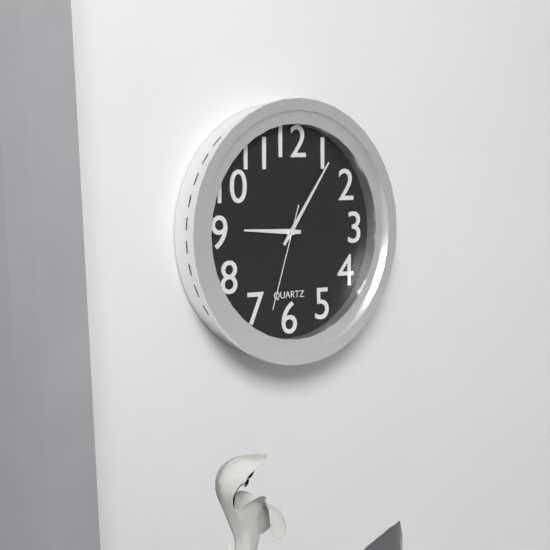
9:06:33
